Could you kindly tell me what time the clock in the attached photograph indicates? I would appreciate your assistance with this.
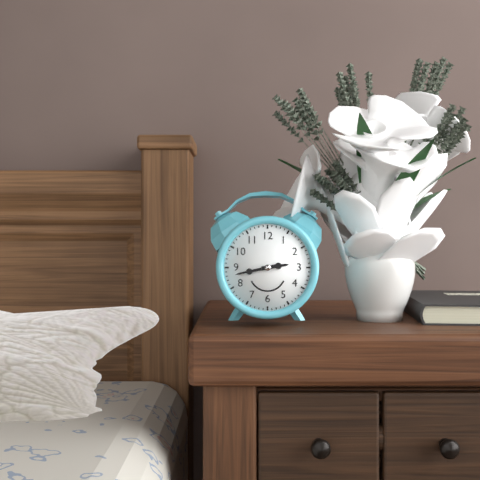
2:43
